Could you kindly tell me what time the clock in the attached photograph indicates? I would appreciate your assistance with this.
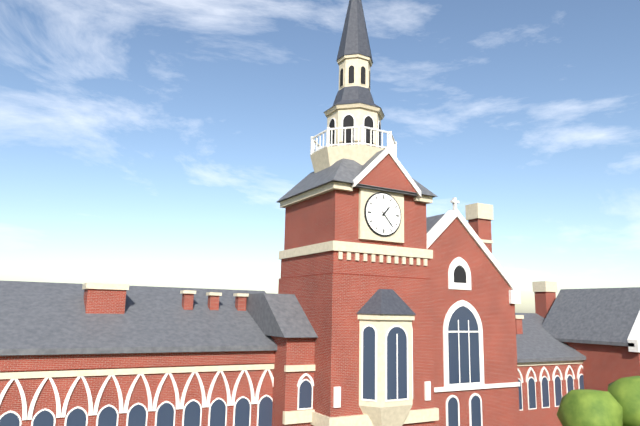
1:23
